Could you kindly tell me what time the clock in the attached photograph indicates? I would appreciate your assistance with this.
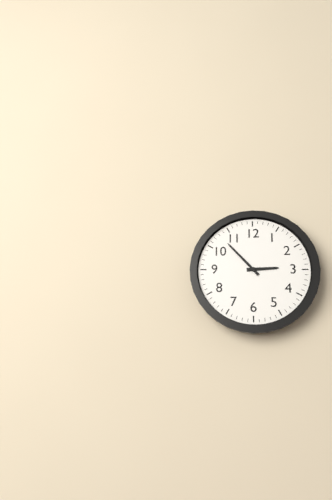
2:53
